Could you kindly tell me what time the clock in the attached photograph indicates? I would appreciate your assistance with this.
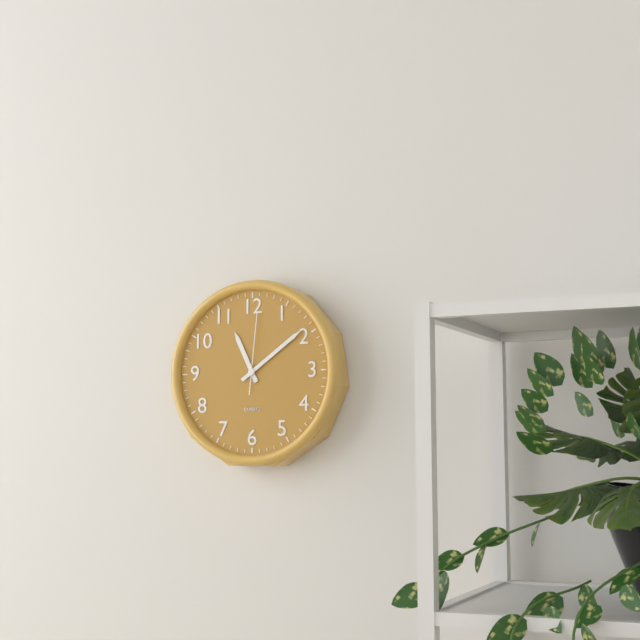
11:09:01
